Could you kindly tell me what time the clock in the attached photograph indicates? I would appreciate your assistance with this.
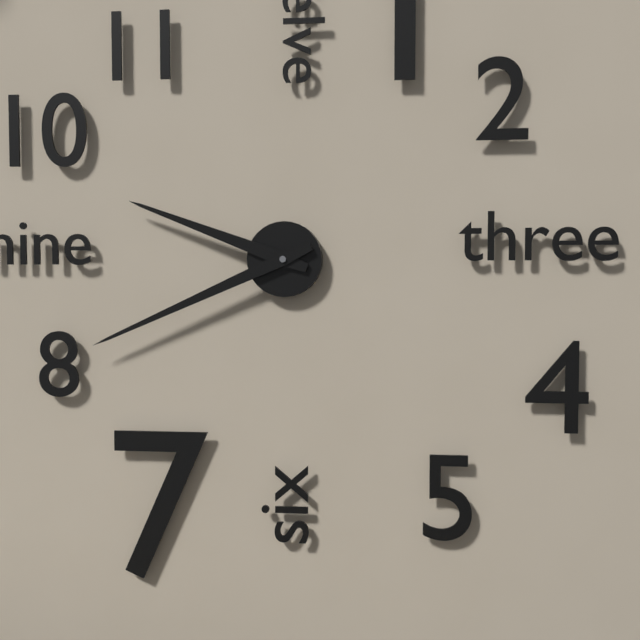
9:41
